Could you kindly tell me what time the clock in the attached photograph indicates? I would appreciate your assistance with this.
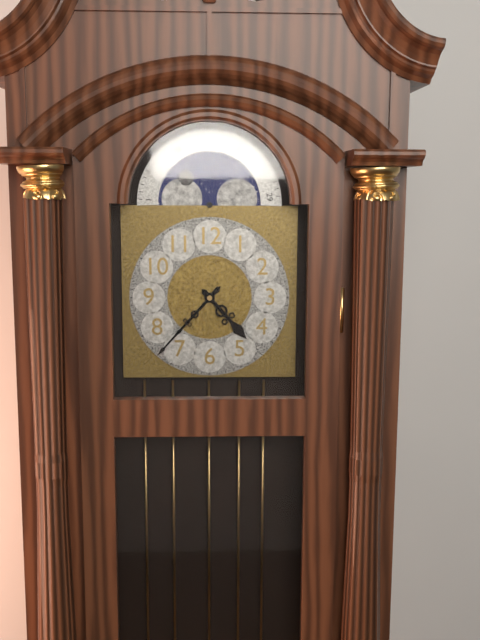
4:37
